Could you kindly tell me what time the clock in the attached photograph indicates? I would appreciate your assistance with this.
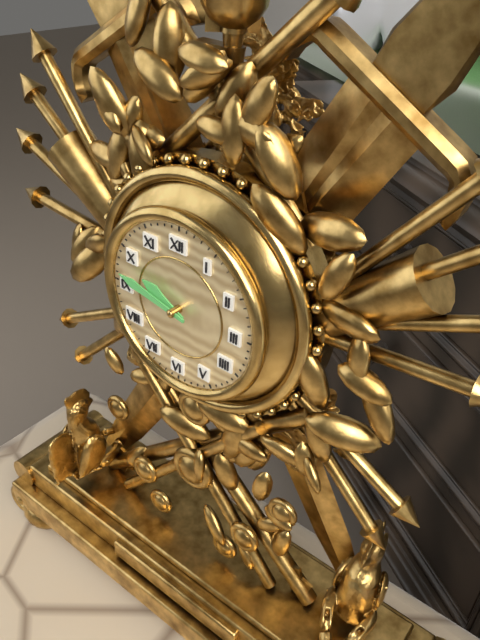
9:47
